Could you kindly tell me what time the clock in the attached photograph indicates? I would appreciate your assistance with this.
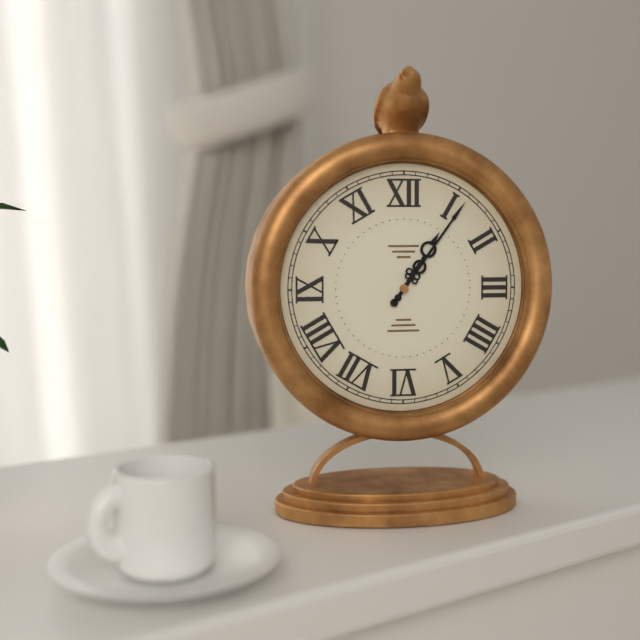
1:06
